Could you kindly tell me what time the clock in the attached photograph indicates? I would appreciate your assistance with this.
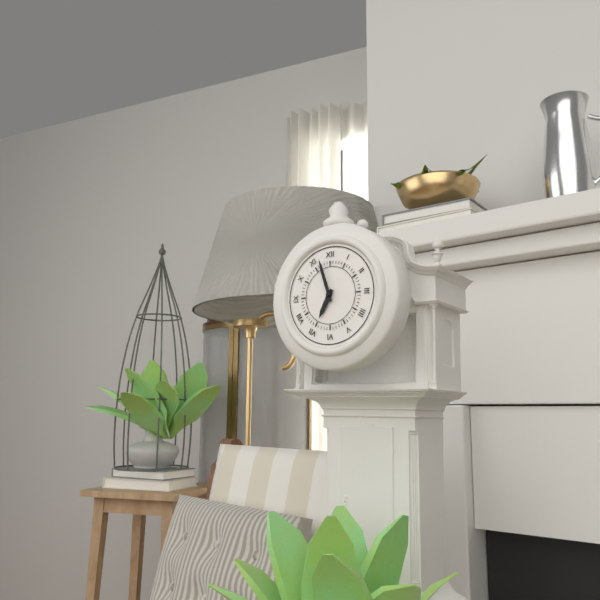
6:57
